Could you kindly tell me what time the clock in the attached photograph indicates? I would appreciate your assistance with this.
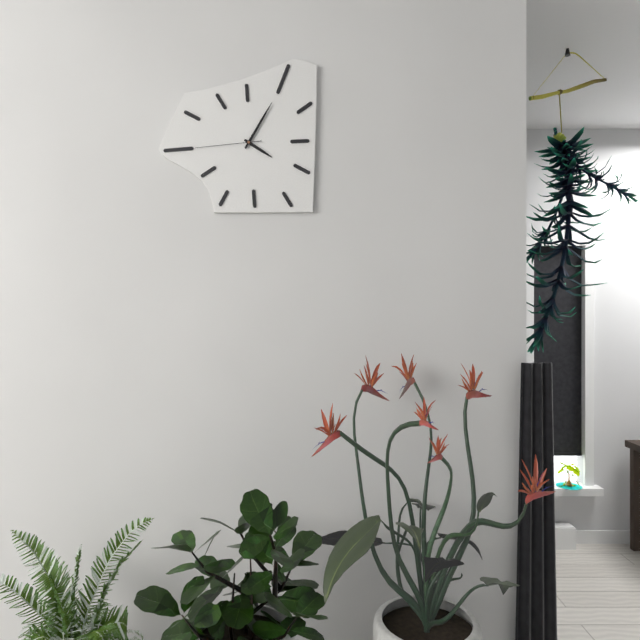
4:05:44
